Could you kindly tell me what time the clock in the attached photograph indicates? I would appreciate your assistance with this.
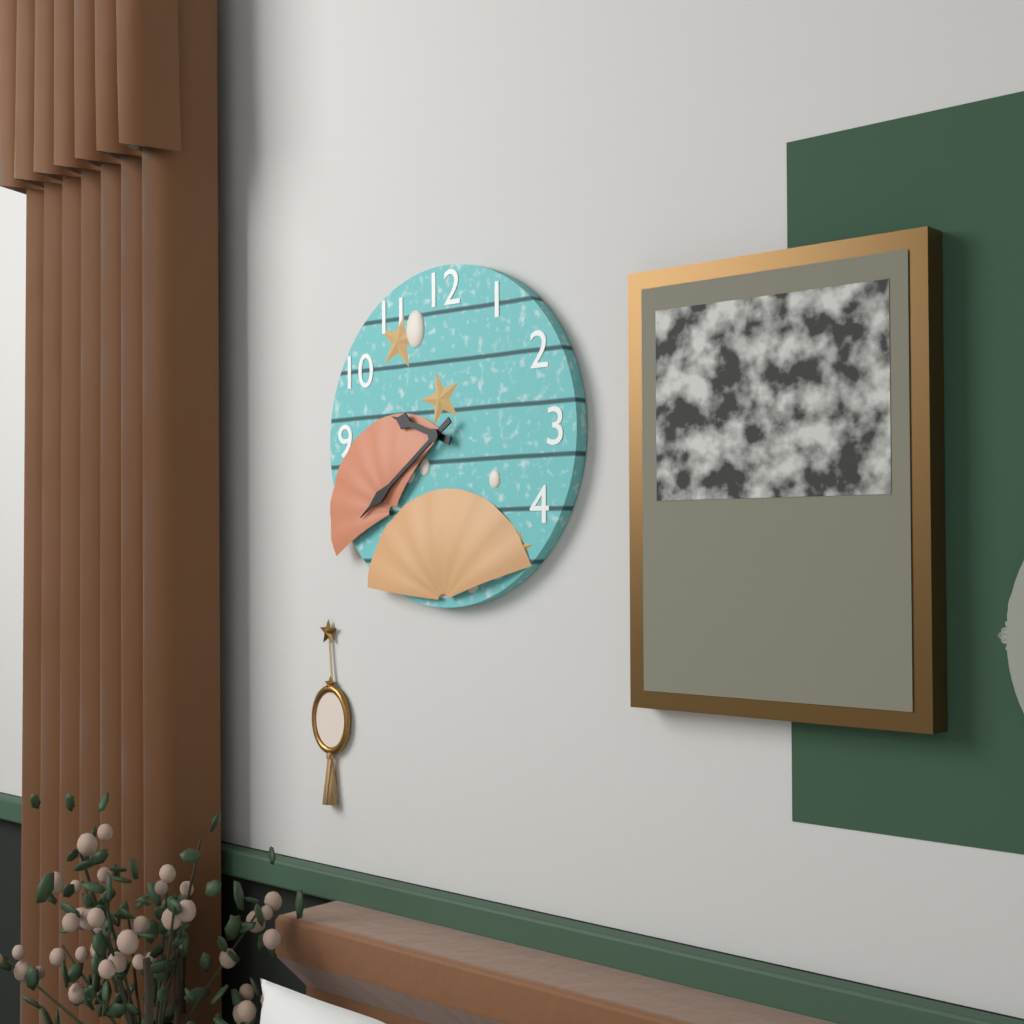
9:39
